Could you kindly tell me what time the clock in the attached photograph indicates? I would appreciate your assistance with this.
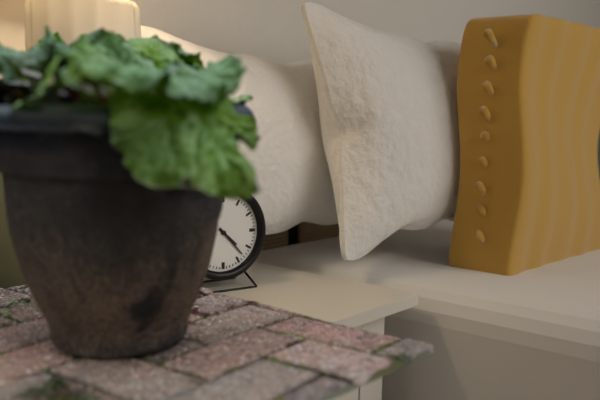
4:23
